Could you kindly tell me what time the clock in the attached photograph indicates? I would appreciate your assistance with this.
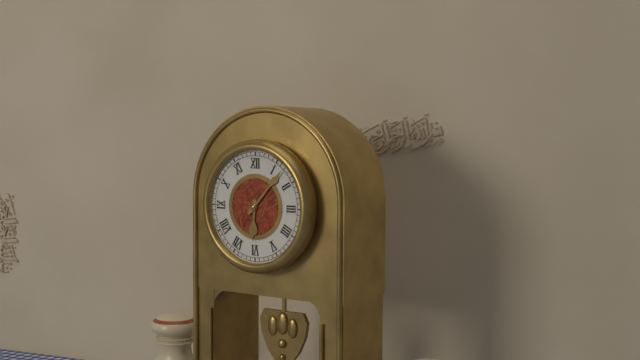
6:07
